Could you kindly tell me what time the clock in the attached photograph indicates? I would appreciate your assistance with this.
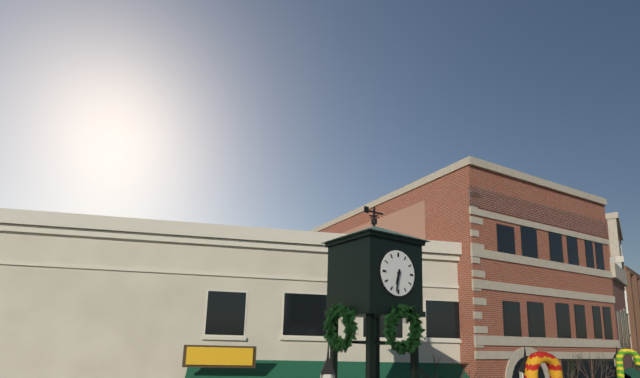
6:32
